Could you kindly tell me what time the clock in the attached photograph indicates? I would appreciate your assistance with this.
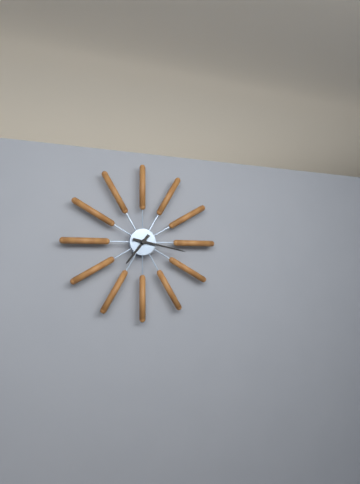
7:17
